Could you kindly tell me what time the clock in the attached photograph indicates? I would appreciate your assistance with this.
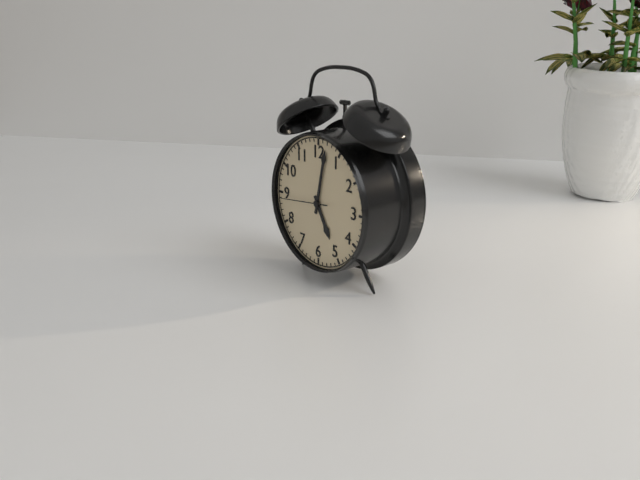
5:02
